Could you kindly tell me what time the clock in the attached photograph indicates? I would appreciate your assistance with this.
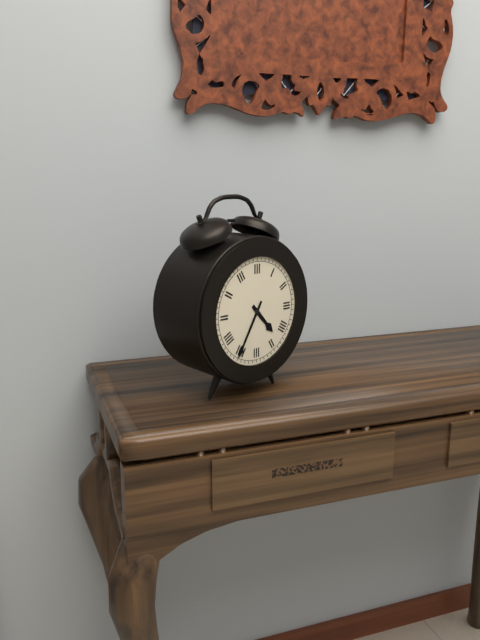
4:35
